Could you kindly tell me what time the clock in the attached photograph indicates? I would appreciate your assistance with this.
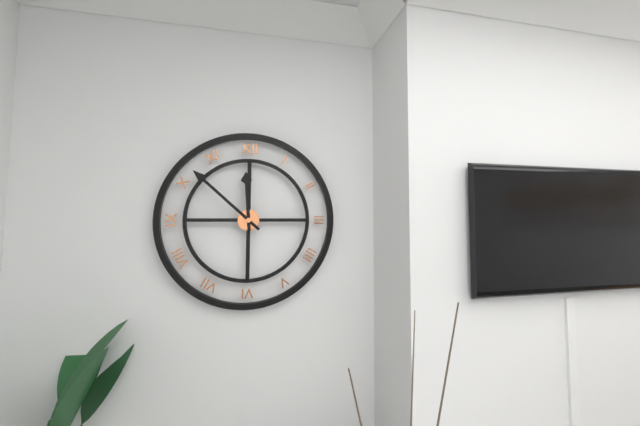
11:52
